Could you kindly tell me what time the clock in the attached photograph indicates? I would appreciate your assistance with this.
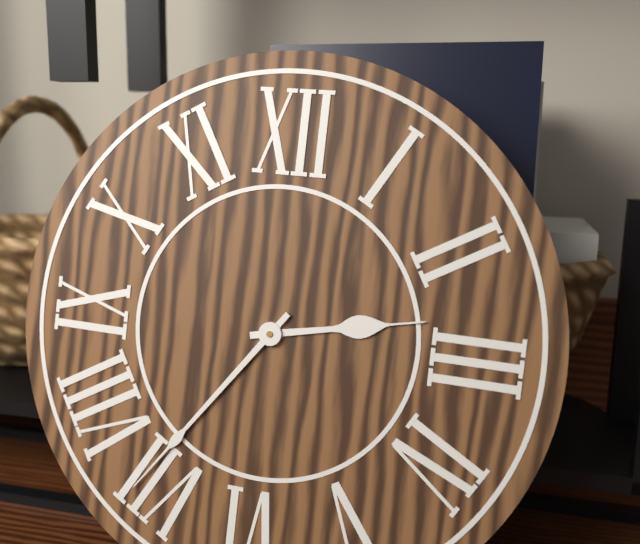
2:36
